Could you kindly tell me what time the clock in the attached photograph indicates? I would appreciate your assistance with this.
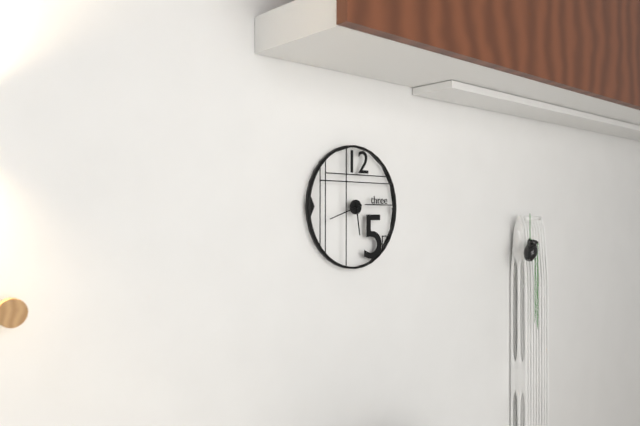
5:42
